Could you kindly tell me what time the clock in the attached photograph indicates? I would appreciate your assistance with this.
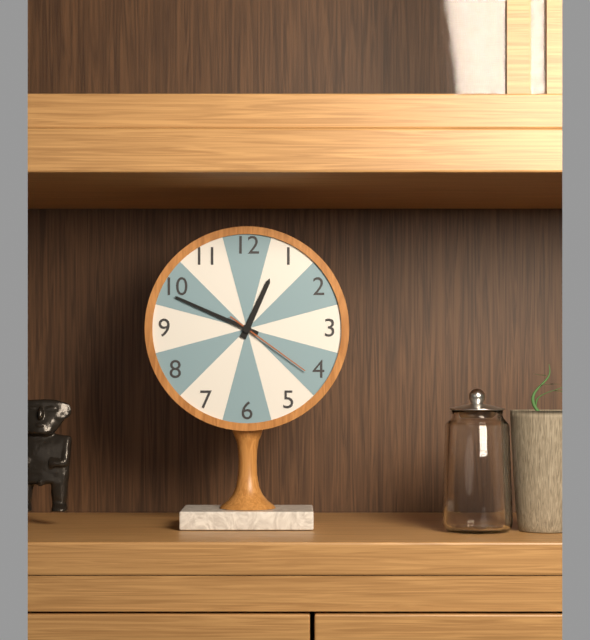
12:49:21
